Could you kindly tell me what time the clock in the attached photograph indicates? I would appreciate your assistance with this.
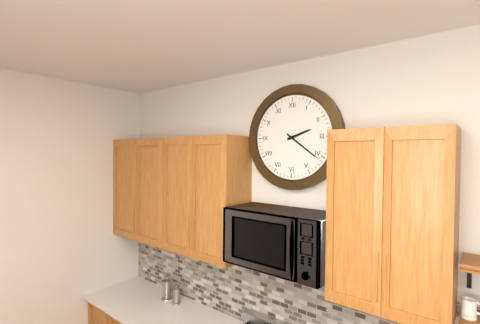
2:21
